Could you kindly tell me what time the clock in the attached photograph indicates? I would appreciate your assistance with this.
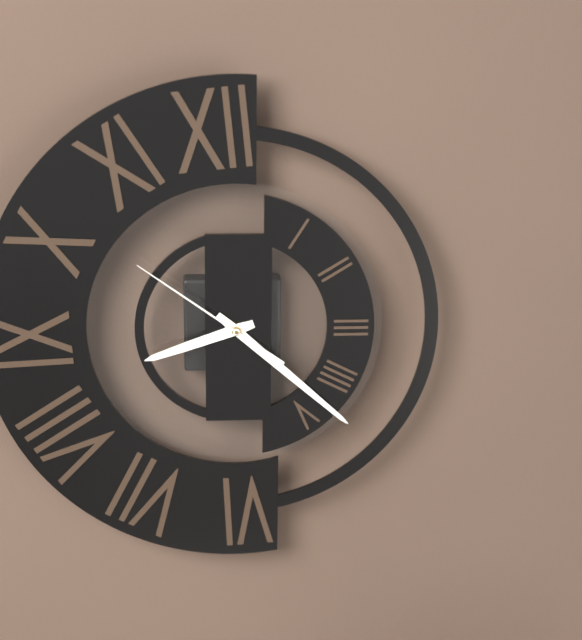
8:22:51
